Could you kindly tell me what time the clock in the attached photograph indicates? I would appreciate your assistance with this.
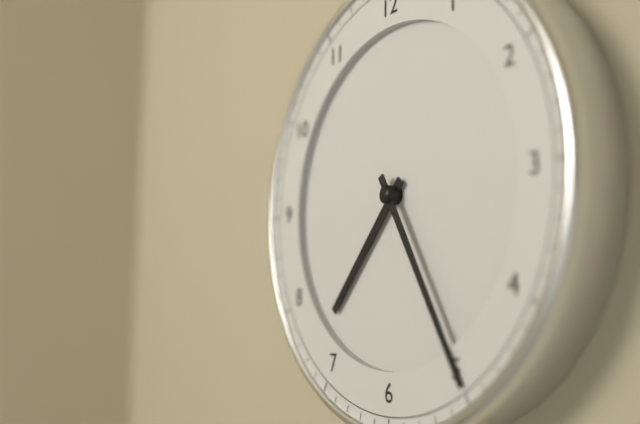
7:25
